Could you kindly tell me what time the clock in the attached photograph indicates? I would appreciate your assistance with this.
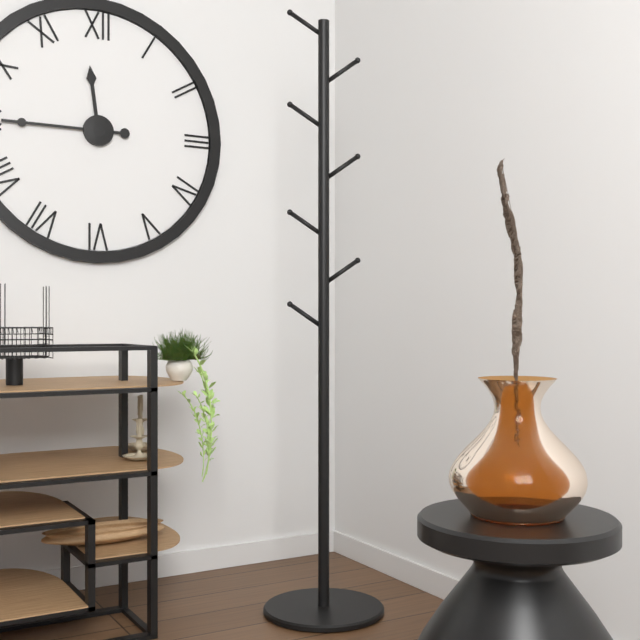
11:45
